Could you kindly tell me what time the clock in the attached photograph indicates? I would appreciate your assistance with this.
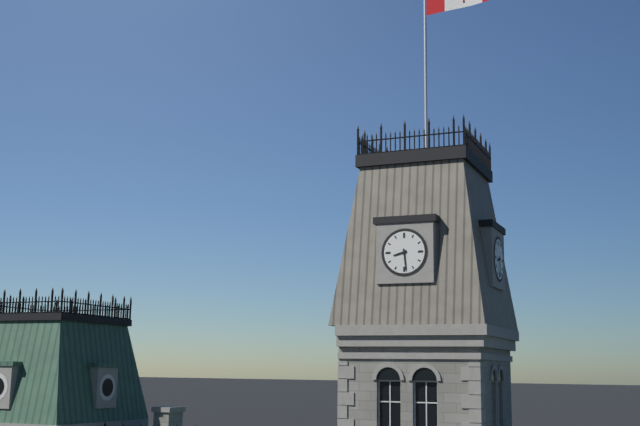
8:29
